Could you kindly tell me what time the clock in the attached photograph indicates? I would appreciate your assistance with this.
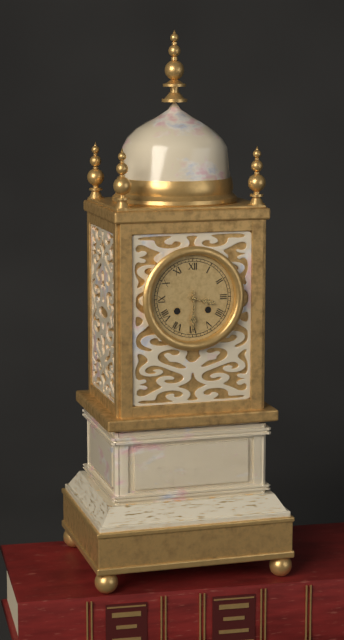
3:30
